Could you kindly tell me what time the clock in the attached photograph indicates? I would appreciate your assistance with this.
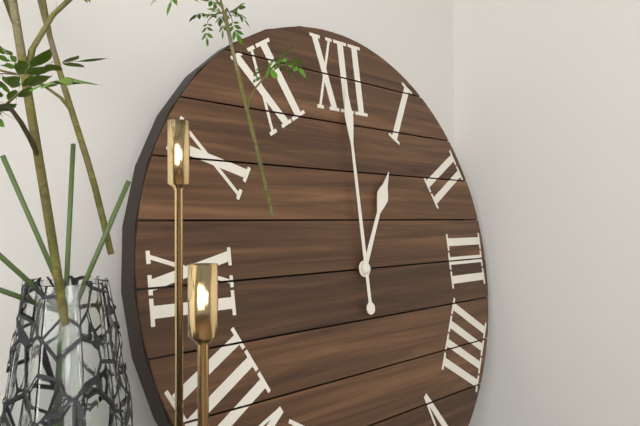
1:00
